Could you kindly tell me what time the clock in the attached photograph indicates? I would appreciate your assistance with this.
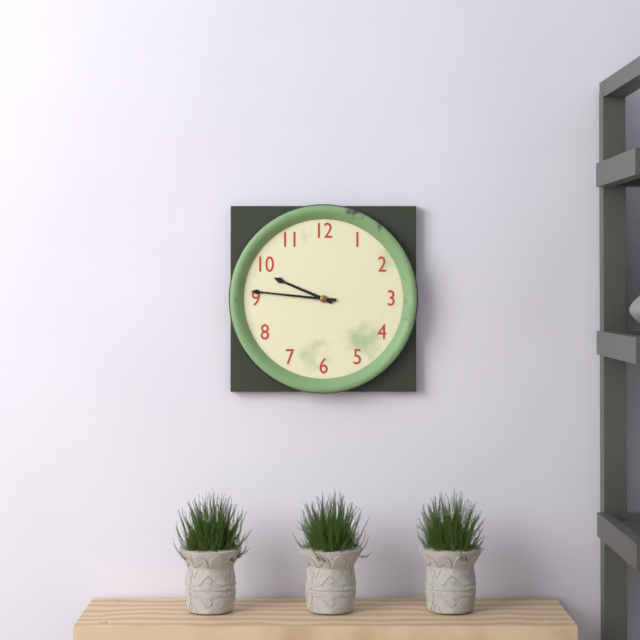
9:46
